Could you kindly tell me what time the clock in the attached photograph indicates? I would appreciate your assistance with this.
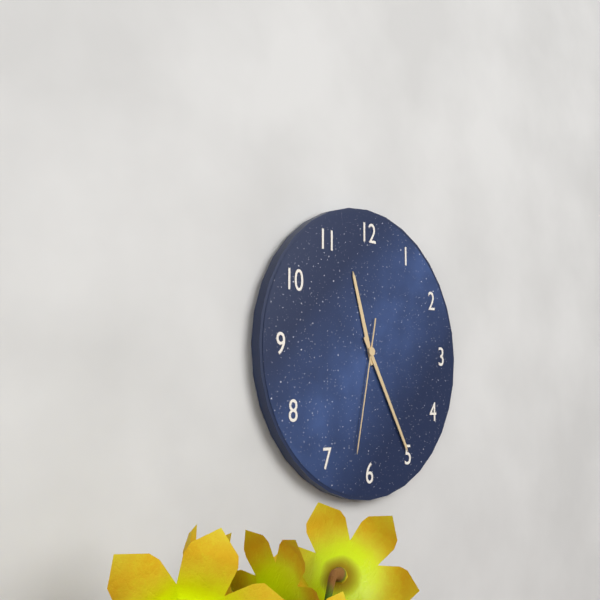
11:25:32
